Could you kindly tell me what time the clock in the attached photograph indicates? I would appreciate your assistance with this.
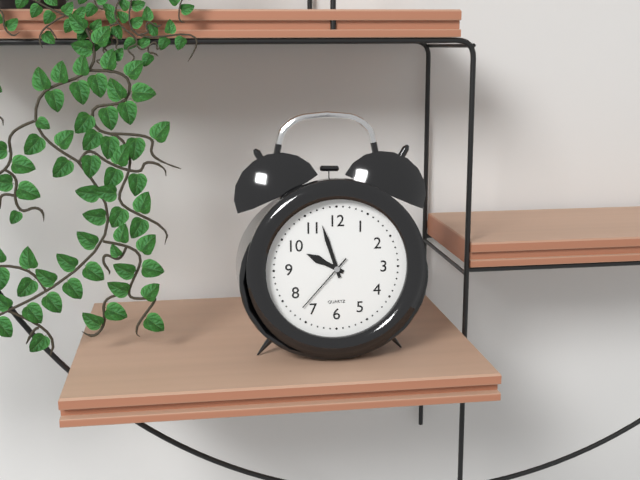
9:57:37
